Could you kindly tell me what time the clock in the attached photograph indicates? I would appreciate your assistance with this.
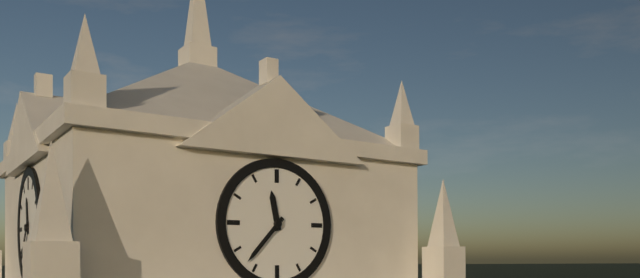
11:37
